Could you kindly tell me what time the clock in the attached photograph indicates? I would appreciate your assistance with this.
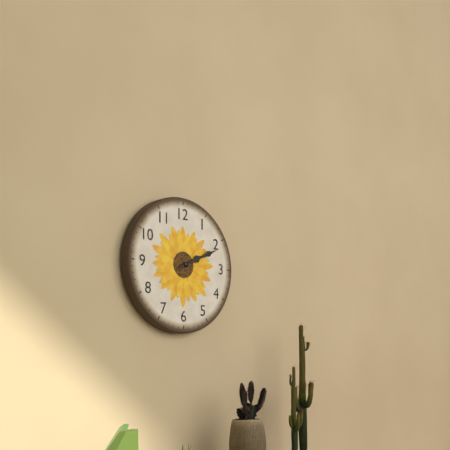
2:11
